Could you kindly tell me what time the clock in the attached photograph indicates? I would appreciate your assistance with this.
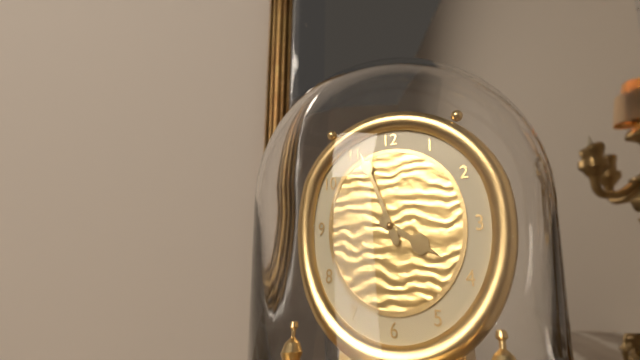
3:56
